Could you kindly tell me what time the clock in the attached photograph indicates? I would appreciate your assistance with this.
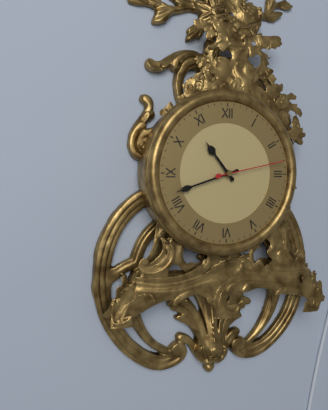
10:42:13
